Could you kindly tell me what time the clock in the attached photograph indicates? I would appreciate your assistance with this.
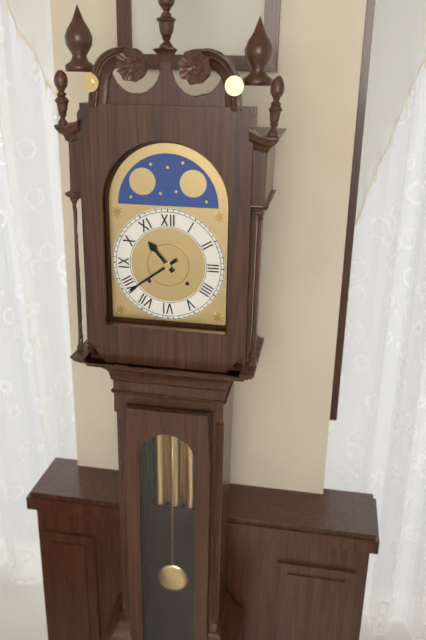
10:39
